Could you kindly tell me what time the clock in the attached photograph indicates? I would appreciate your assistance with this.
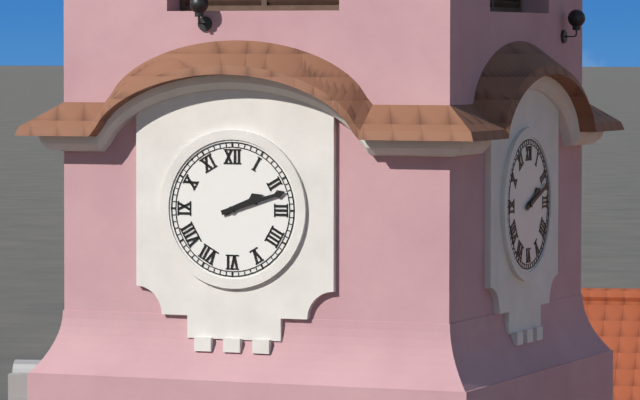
2:12
